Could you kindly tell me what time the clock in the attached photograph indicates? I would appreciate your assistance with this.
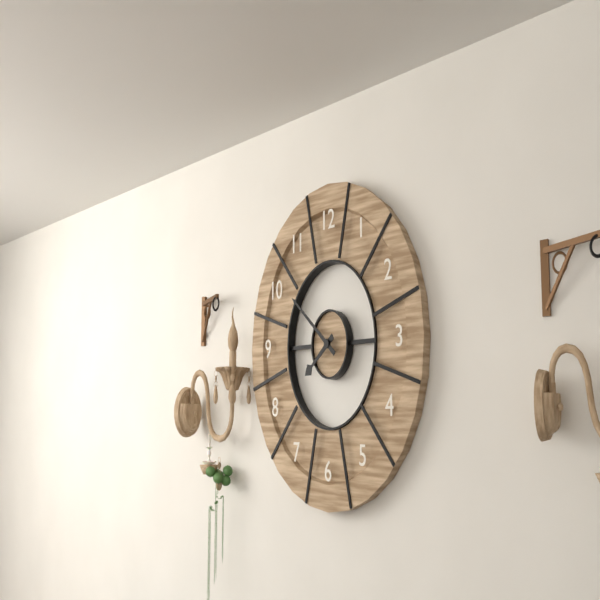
7:51
